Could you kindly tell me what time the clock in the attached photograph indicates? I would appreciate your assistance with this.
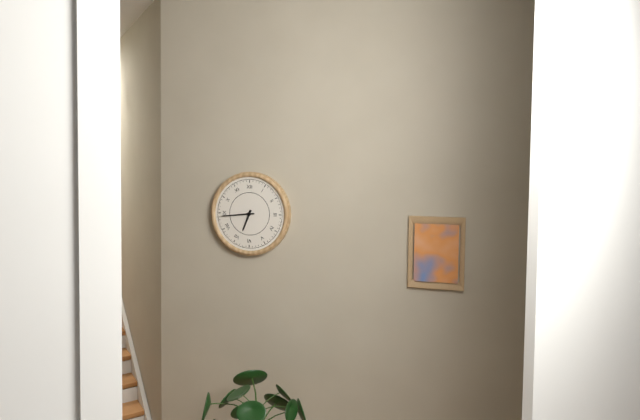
6:44
